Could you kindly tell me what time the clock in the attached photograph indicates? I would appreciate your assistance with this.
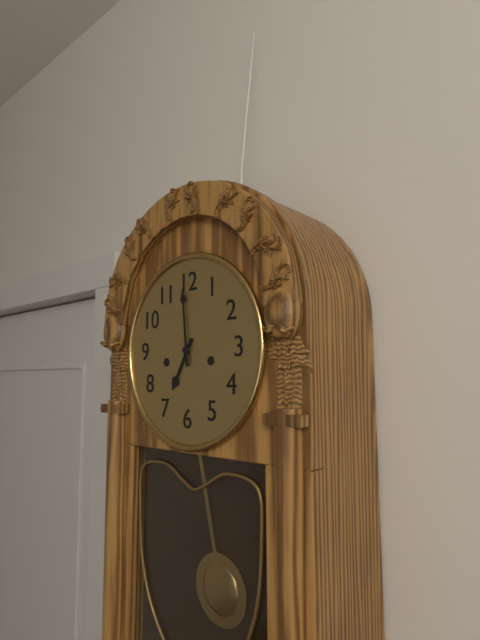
6:59
